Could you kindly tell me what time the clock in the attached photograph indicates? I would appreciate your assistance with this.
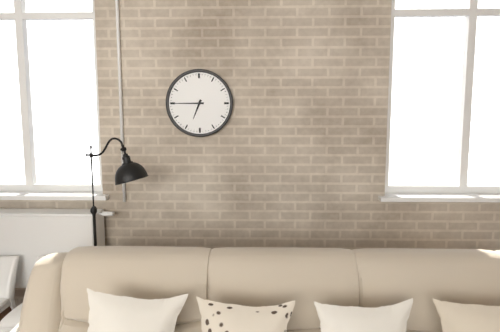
6:45
